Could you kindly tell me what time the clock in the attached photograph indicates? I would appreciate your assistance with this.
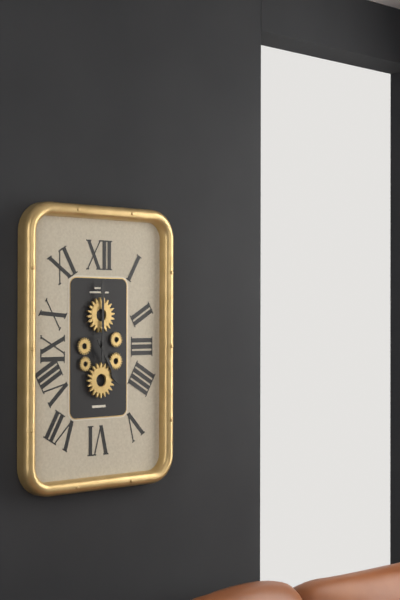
5:00
